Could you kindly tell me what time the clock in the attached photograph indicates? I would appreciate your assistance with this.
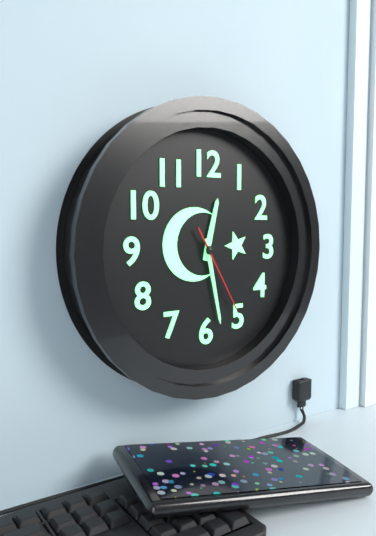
12:28:25
